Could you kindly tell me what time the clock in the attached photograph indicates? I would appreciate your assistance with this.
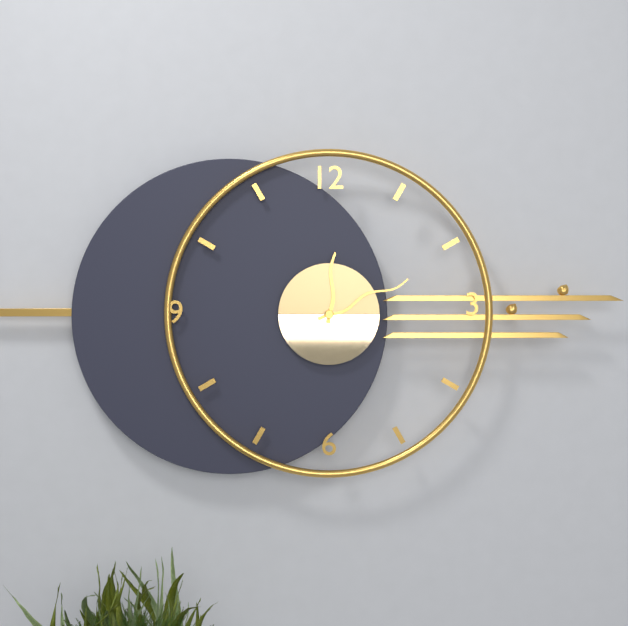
12:11
